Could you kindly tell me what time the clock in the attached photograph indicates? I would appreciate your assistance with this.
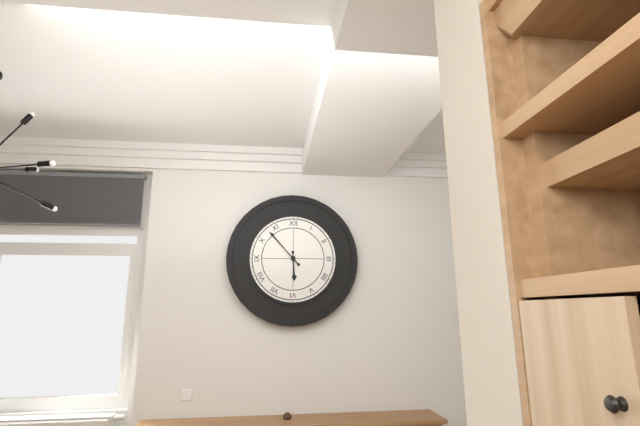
5:53
